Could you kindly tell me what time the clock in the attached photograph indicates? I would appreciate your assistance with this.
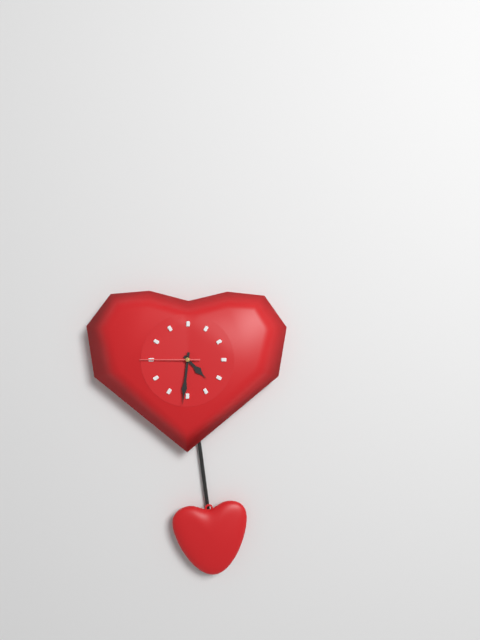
4:31:45
